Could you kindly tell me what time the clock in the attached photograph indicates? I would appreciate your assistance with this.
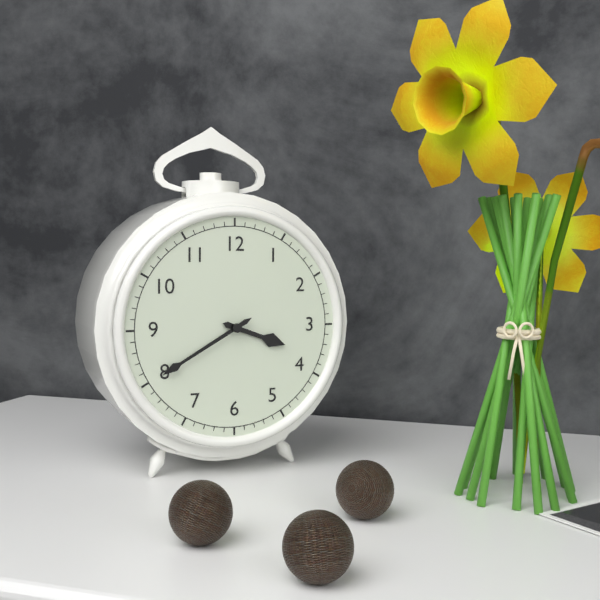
3:40
